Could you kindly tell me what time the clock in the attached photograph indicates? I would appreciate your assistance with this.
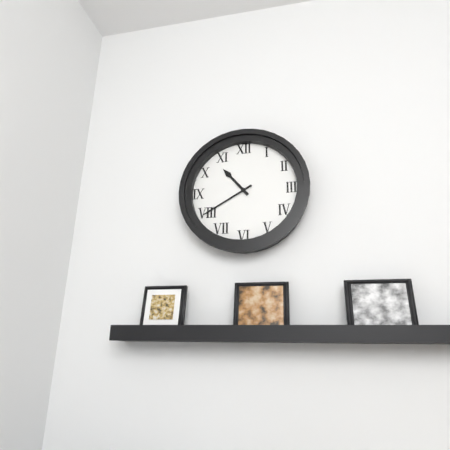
10:40
